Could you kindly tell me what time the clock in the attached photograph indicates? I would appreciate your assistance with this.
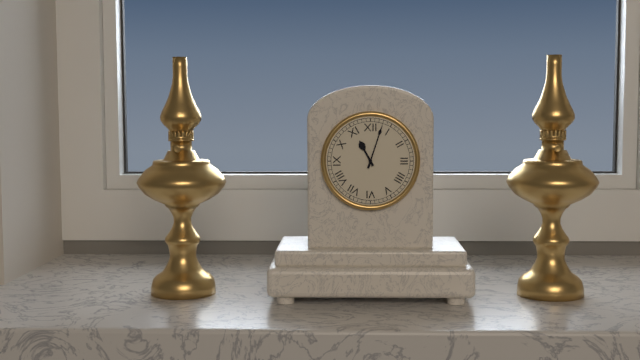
11:03
